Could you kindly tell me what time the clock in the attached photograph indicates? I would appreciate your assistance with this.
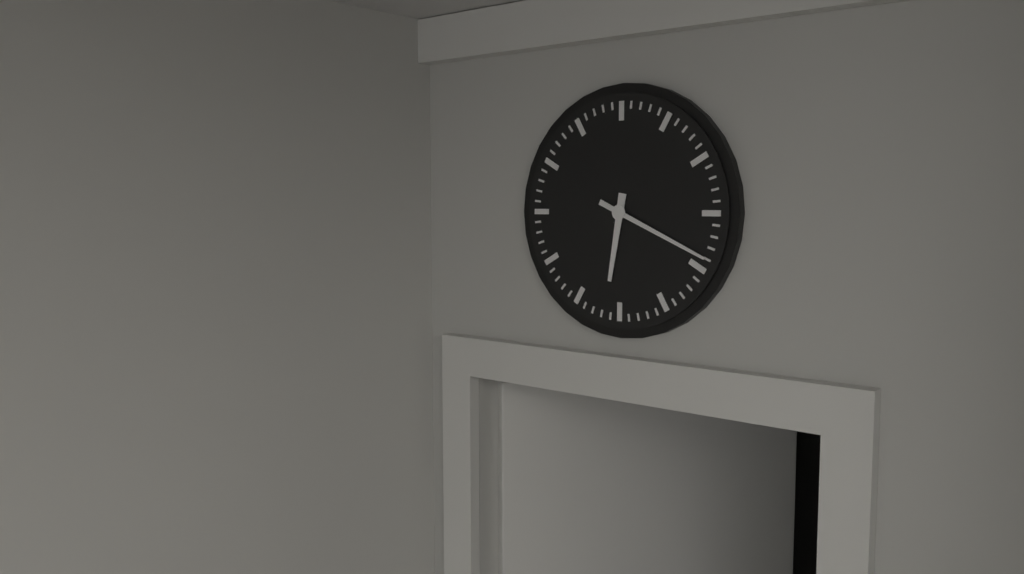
6:19
